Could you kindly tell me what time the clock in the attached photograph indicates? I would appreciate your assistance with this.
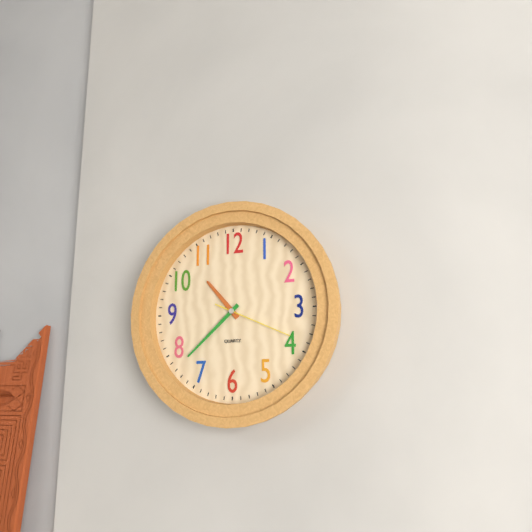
10:38:19
